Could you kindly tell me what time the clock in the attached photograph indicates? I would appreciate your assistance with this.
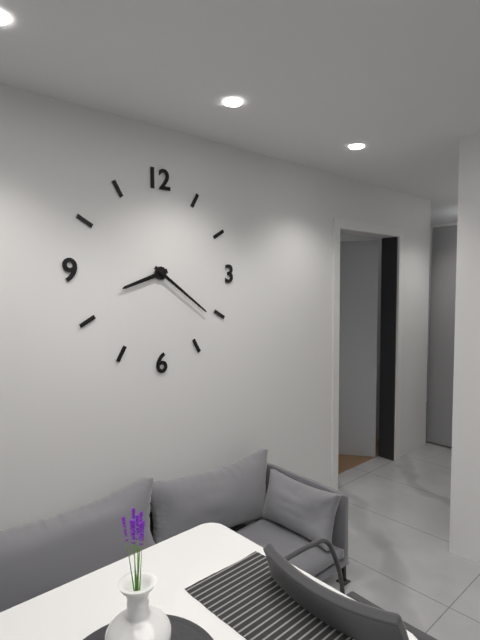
8:21
